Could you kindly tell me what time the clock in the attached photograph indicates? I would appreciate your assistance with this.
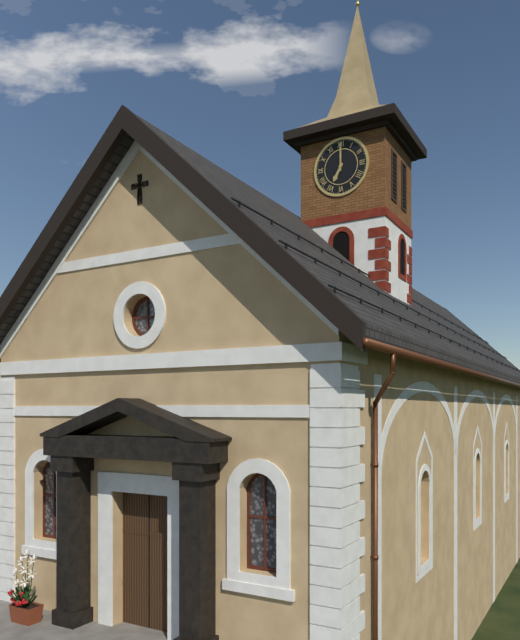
7:00
